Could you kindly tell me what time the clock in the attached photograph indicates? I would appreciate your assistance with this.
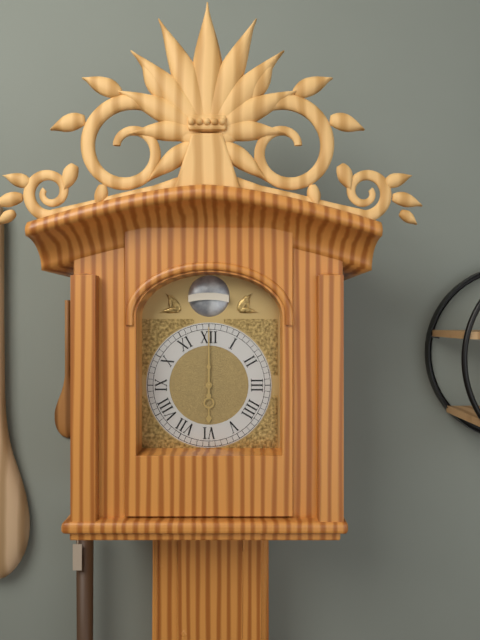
6:00
